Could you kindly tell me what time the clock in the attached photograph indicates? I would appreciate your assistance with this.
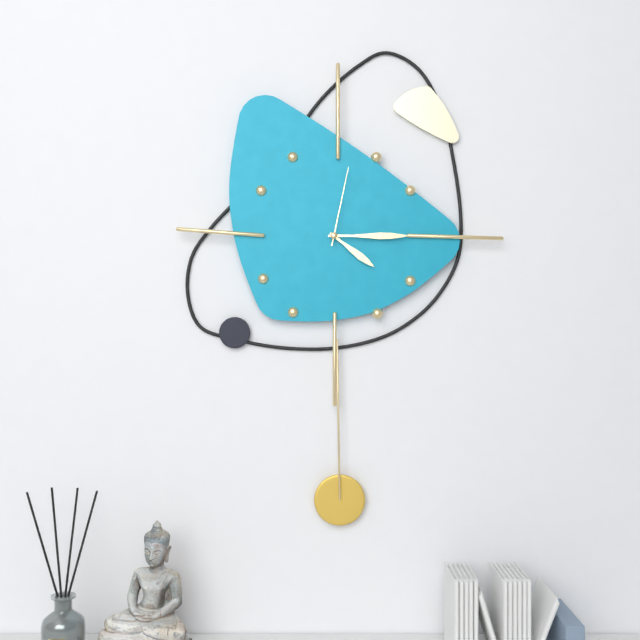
4:15:02
